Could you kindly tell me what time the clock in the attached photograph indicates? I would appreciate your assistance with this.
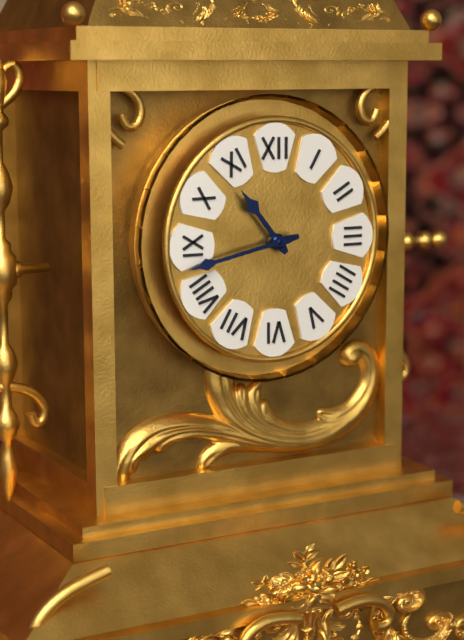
10:43
